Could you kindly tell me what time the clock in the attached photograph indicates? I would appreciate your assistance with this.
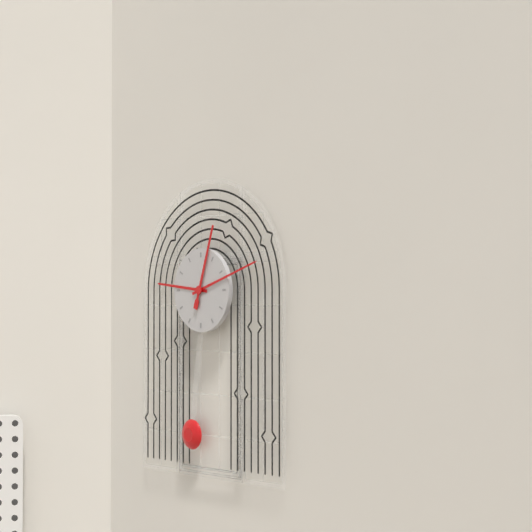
9:12:03
